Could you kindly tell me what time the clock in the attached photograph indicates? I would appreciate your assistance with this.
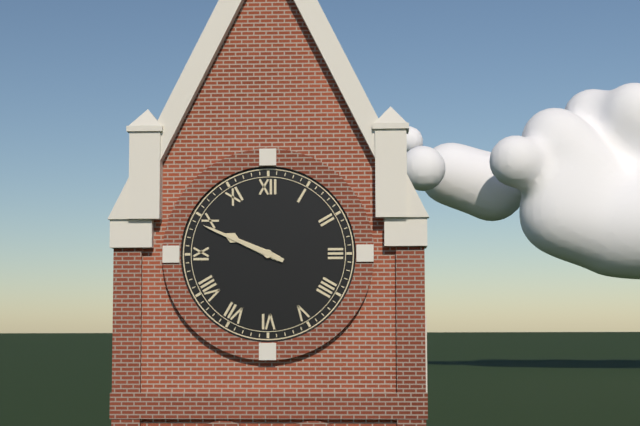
9:49
